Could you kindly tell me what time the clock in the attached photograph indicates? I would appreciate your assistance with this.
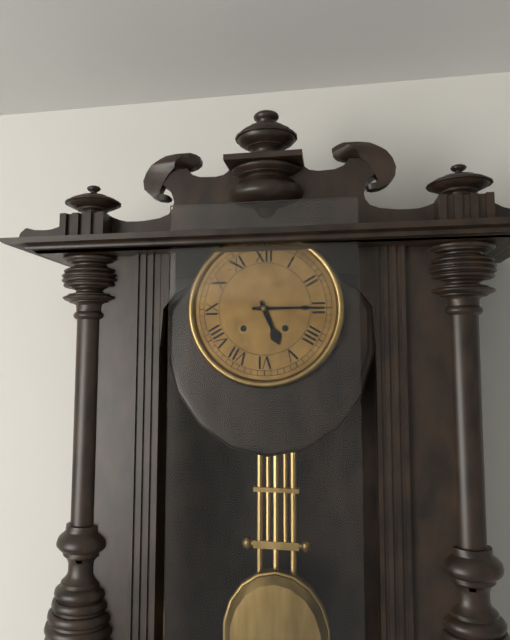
5:15
